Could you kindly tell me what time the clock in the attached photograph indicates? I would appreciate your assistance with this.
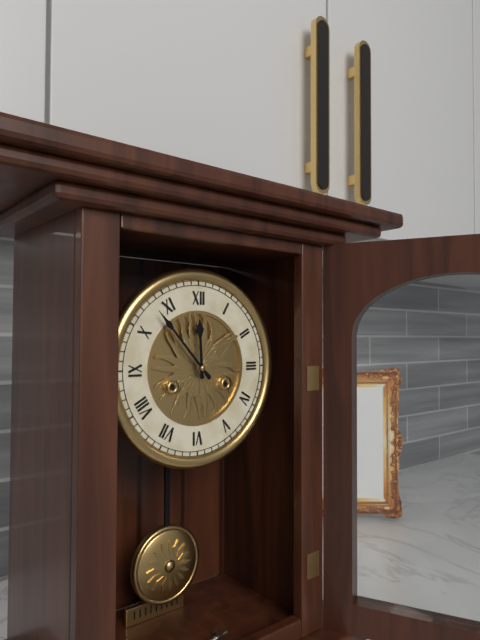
11:53
